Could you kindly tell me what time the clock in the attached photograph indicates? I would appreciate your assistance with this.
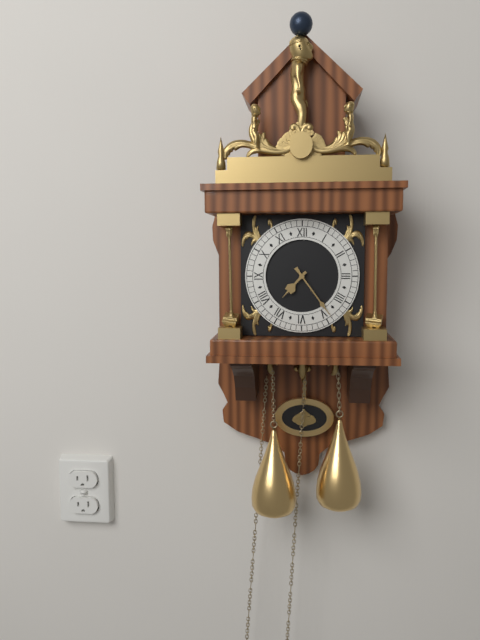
7:24
